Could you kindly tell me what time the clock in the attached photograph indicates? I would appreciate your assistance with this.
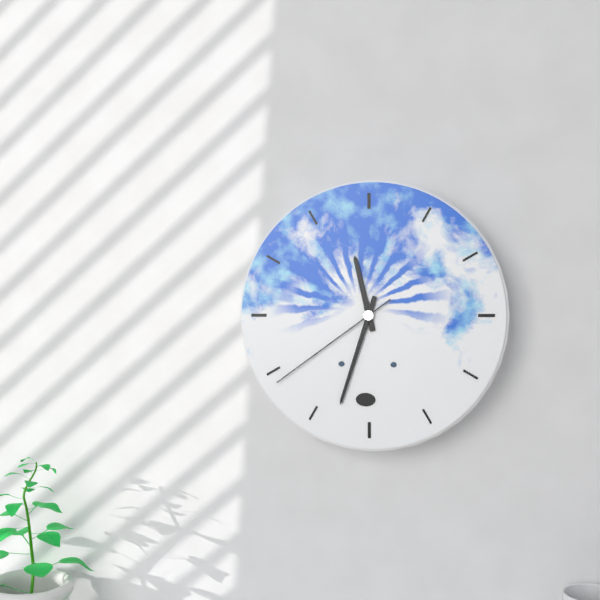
11:33:39
